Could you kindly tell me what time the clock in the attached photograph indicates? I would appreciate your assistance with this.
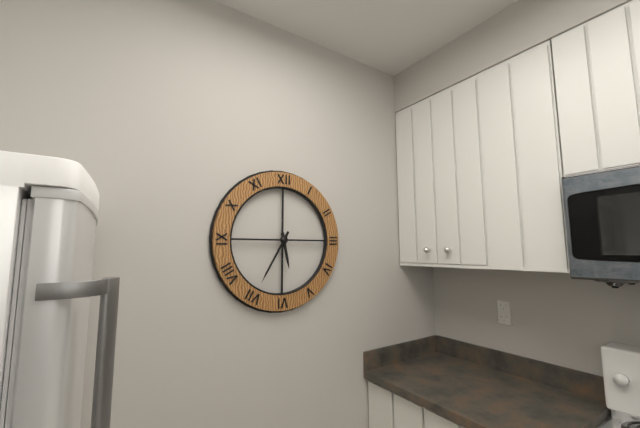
5:35
